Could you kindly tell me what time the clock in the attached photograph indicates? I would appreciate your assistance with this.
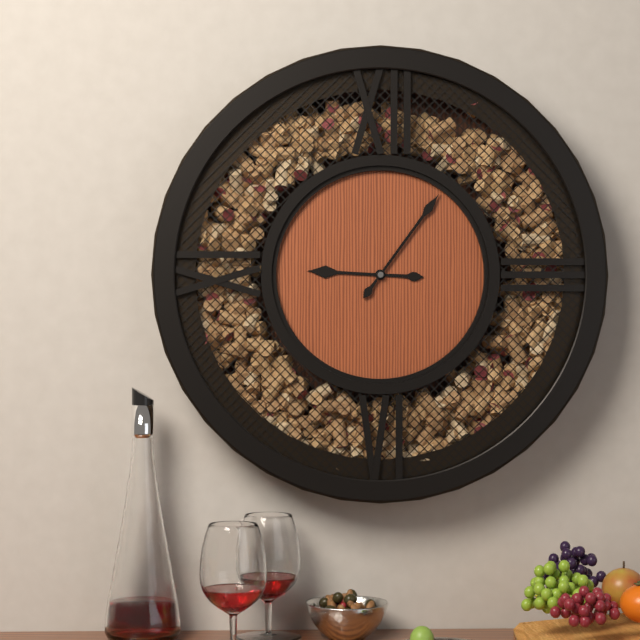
9:06
